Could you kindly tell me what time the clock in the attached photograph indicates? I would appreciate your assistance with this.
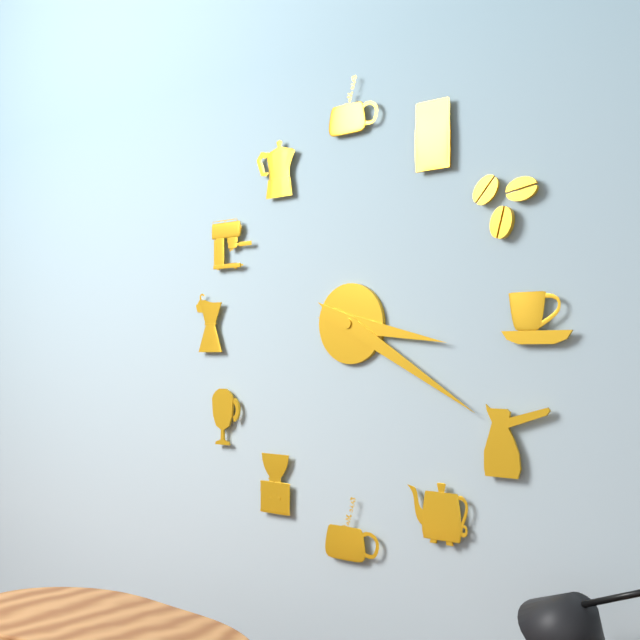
3:20
